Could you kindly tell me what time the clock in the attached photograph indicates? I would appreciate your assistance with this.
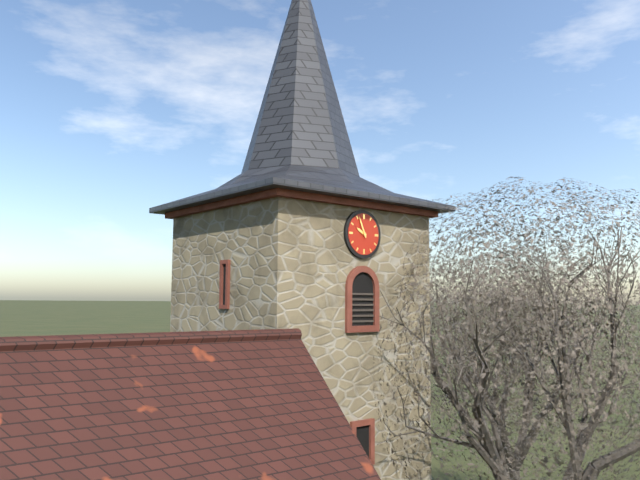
9:56
